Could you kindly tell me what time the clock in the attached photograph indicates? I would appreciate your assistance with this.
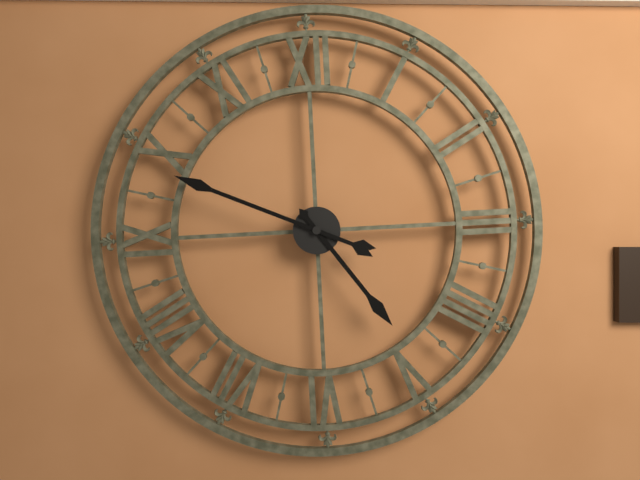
4:49
